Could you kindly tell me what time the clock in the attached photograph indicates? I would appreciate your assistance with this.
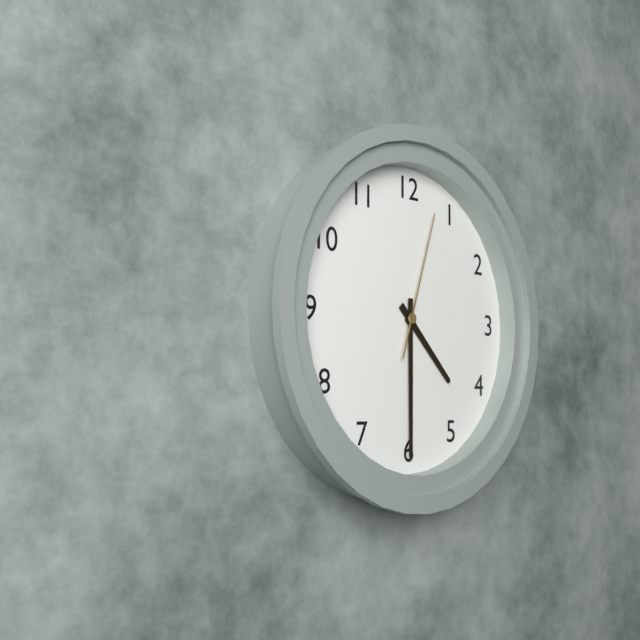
4:30:03
